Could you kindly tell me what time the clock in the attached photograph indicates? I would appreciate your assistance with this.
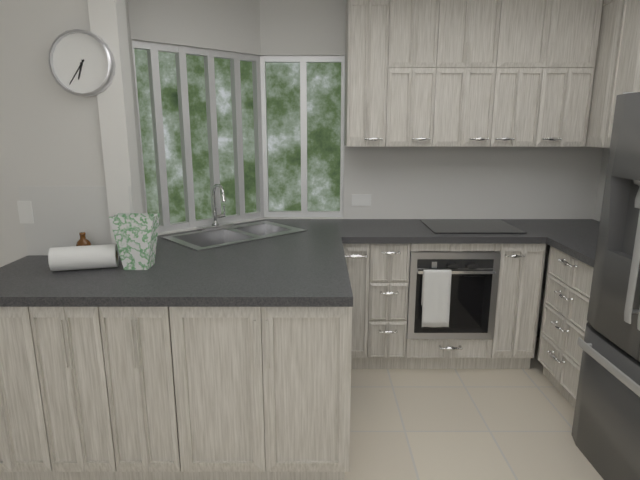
6:36
